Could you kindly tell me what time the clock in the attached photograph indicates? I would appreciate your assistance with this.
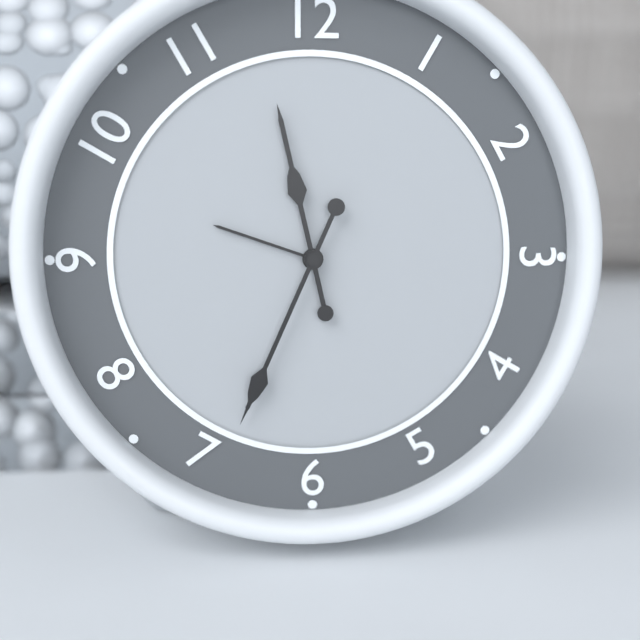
11:34
